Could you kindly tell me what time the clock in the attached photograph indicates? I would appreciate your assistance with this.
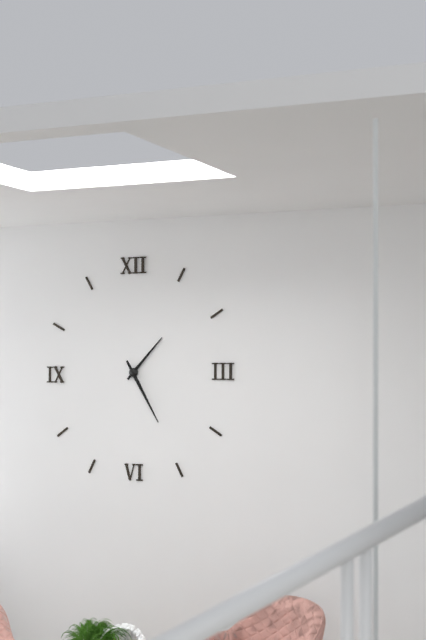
1:25
